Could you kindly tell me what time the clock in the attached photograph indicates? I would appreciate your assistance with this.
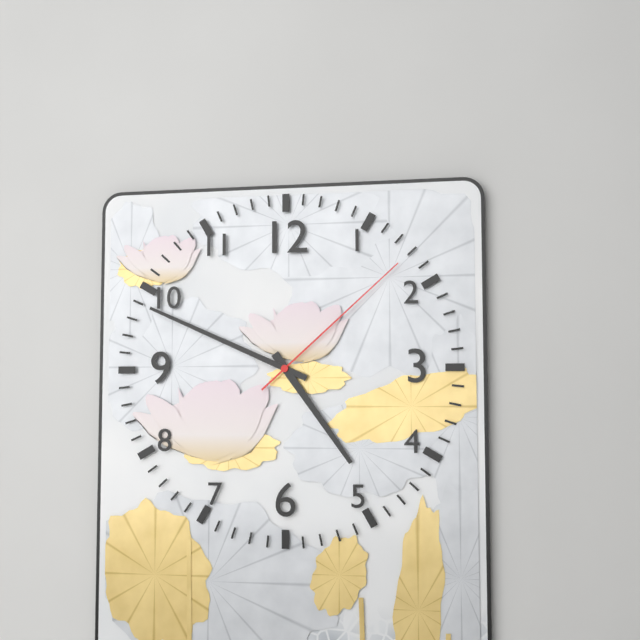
4:49:08
